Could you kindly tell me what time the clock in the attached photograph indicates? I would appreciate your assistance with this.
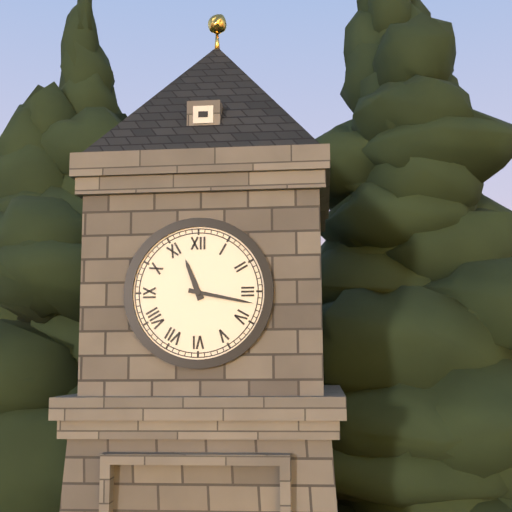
11:17
